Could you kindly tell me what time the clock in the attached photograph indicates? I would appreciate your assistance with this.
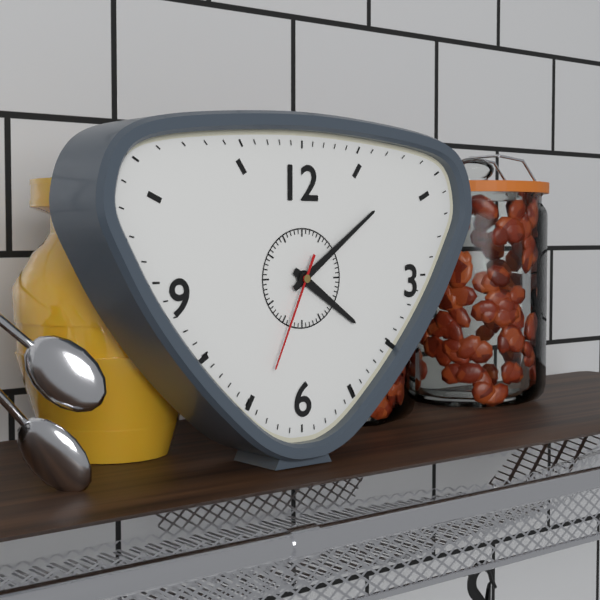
4:09:34
